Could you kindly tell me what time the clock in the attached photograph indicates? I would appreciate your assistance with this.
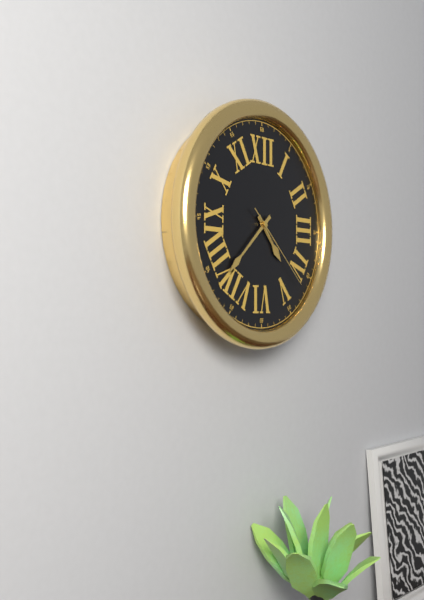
4:38:22
